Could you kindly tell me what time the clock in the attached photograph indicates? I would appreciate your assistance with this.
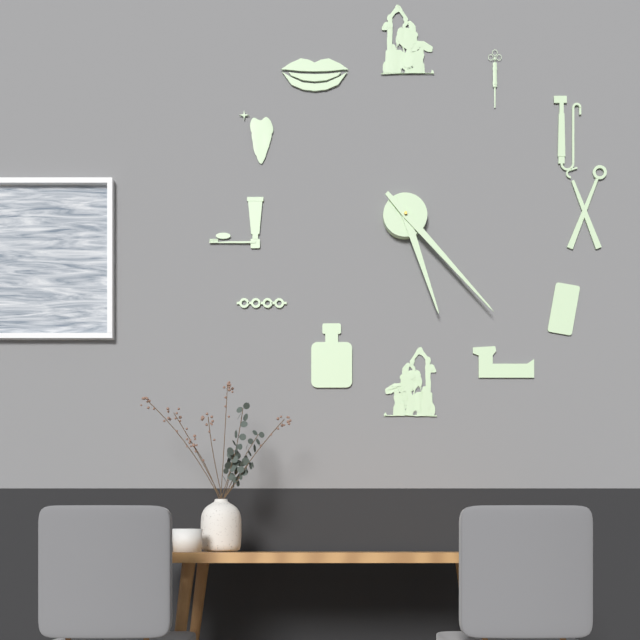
5:23
